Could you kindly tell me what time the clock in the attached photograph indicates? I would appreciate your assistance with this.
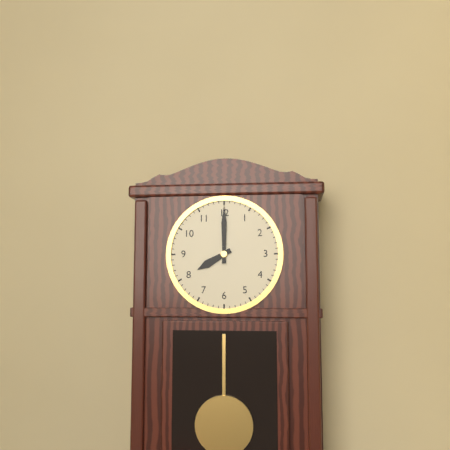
8:00
